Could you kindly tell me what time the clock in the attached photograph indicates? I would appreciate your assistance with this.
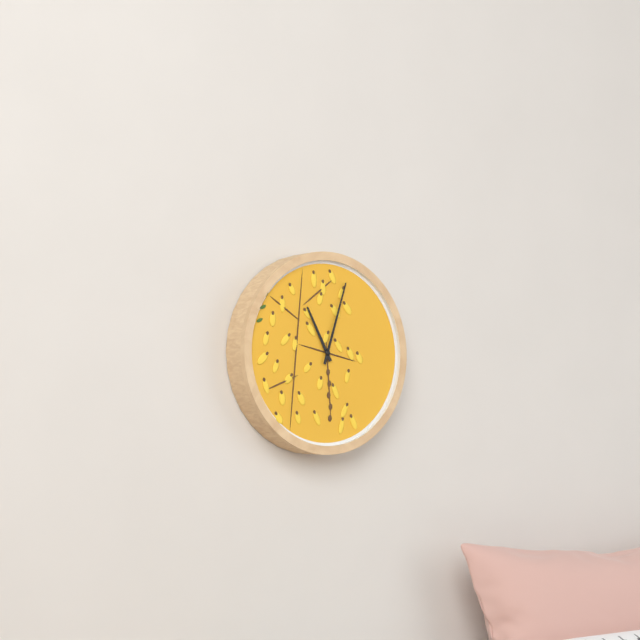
11:03
